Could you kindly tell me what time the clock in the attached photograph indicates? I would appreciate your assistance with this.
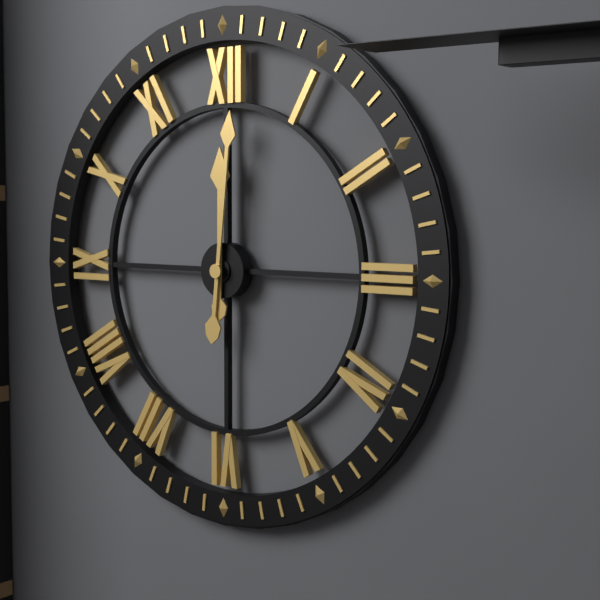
12:01
